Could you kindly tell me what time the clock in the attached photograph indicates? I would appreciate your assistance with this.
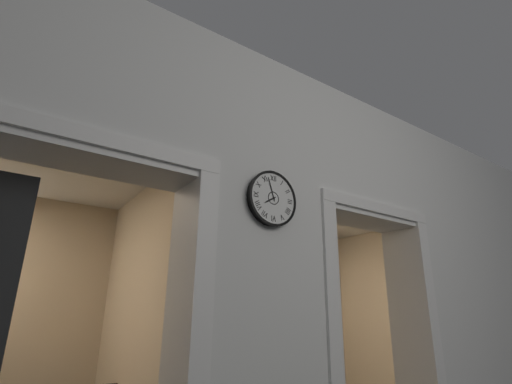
7:57
